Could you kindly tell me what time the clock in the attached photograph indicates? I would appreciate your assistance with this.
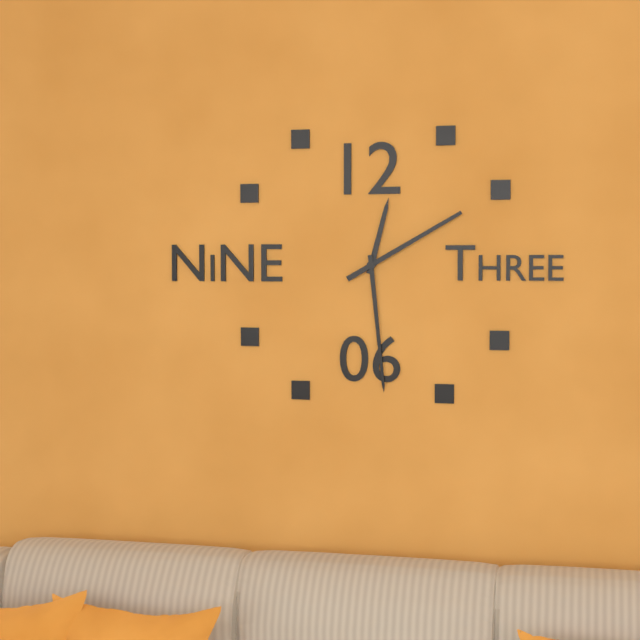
12:29:10
